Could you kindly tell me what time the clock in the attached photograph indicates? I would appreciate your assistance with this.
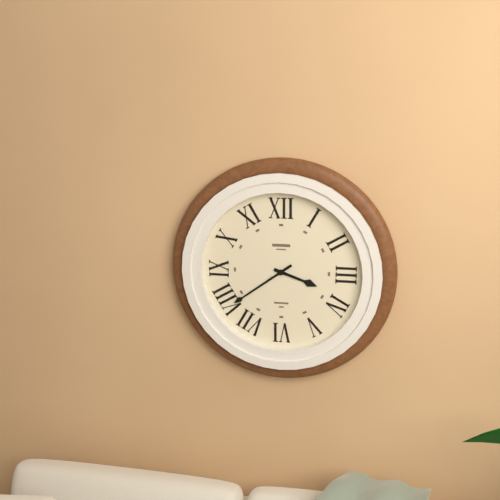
3:39
